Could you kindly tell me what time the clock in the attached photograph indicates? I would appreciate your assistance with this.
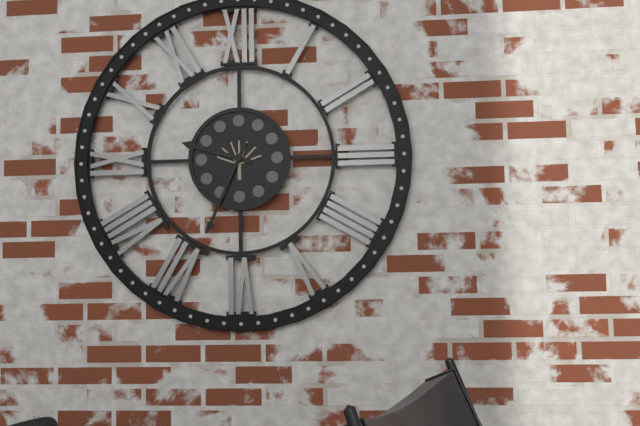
9:34
